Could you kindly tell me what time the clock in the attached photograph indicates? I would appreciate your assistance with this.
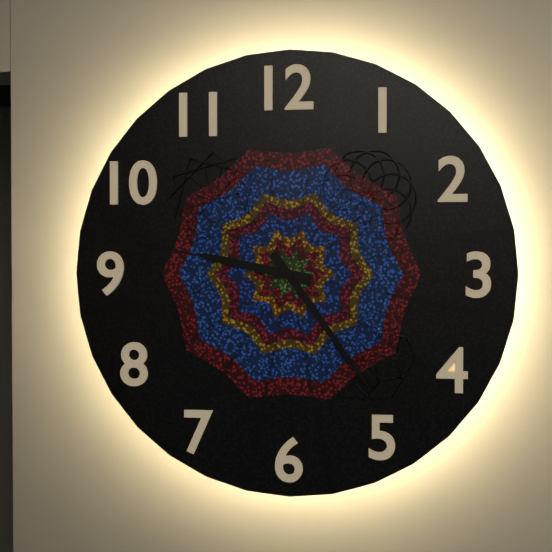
9:24
